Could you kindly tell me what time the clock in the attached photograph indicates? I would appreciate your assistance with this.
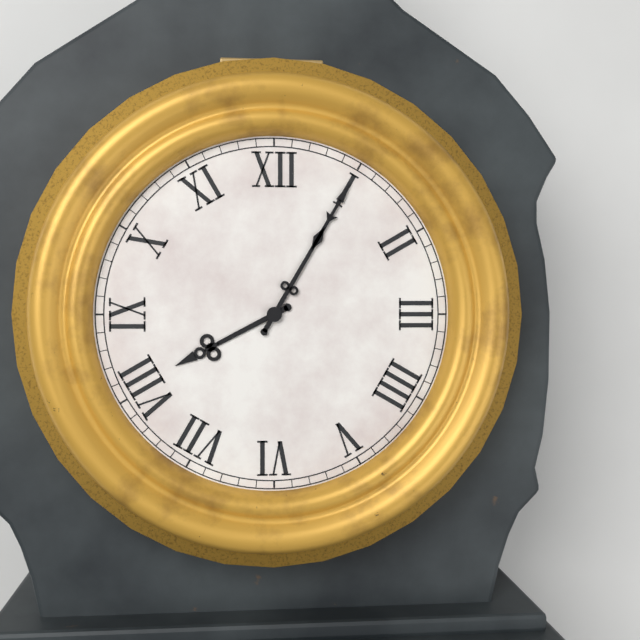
8:05
